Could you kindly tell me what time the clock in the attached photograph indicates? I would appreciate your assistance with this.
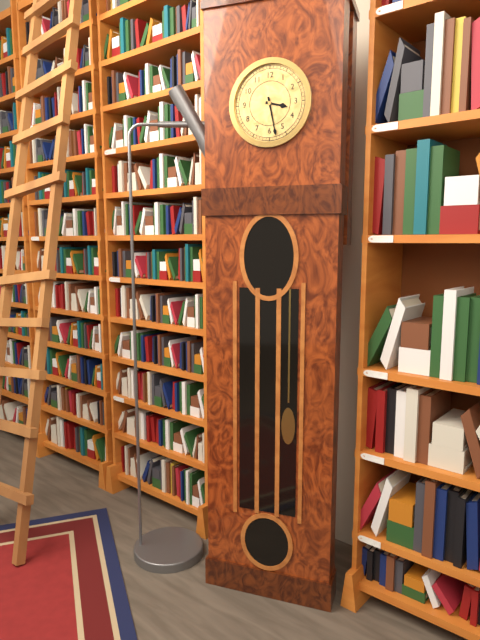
3:28
